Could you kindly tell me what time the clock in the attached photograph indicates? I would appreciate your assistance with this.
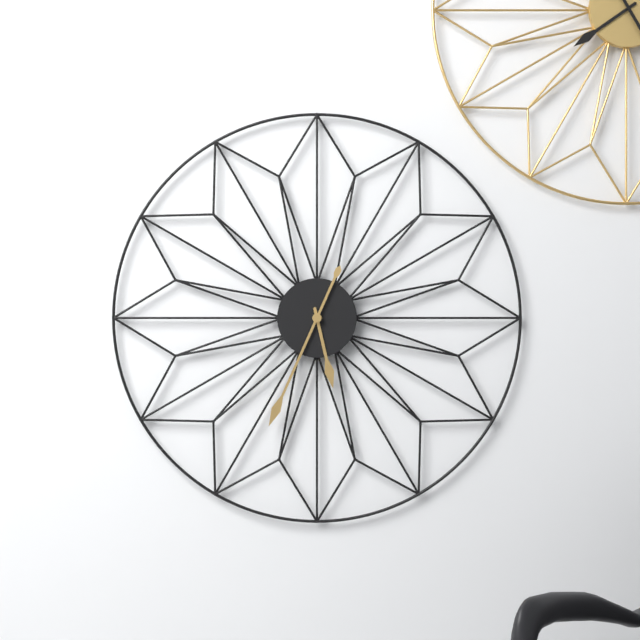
5:34
